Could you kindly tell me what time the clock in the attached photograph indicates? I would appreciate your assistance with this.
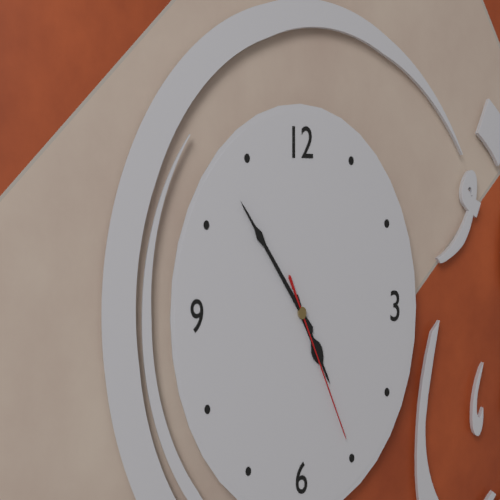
4:53:25
